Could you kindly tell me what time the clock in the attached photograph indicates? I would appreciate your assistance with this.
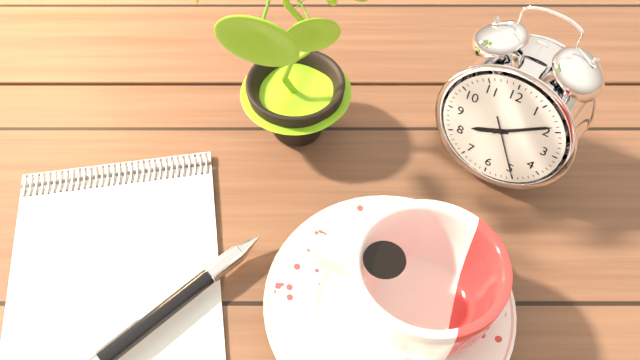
8:09:25
